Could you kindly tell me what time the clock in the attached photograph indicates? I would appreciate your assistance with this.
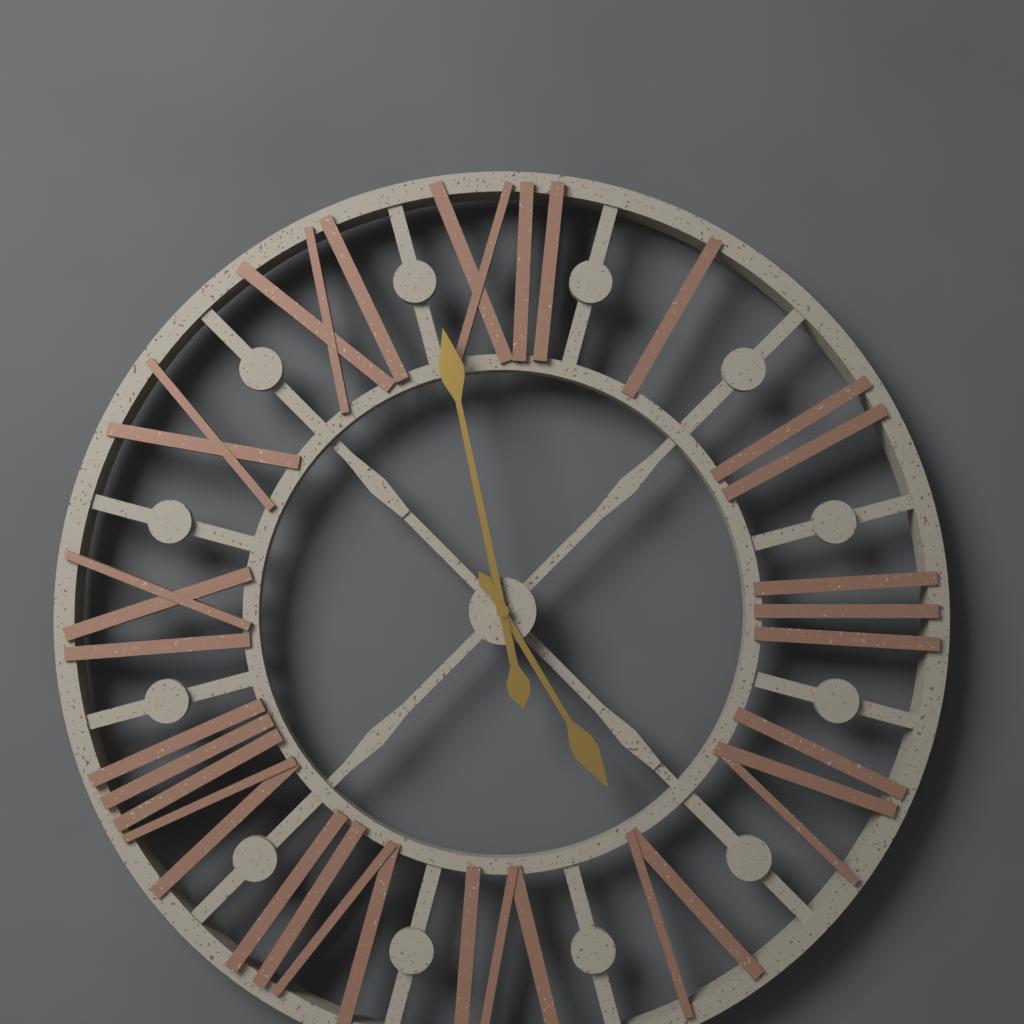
4:58
